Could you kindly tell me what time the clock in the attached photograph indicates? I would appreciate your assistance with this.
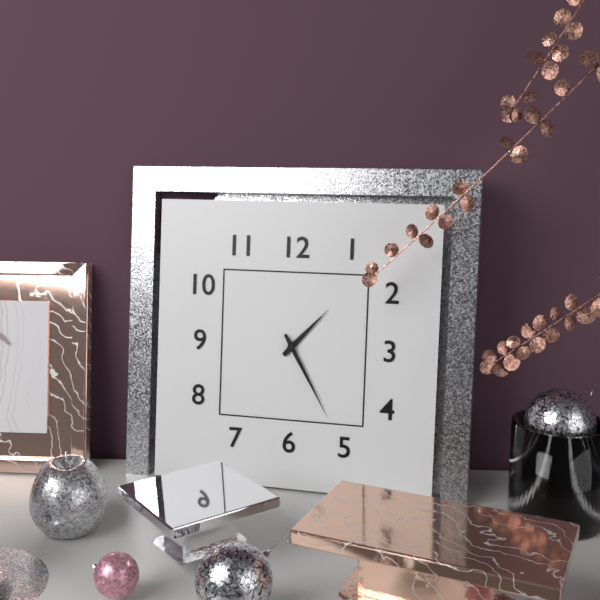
1:25
